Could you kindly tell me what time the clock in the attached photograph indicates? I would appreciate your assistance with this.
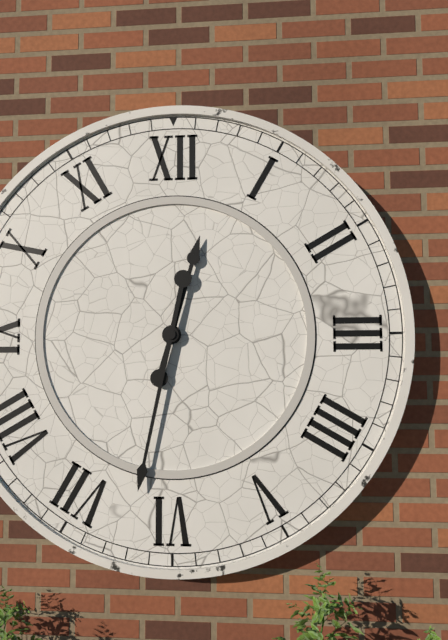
12:32
